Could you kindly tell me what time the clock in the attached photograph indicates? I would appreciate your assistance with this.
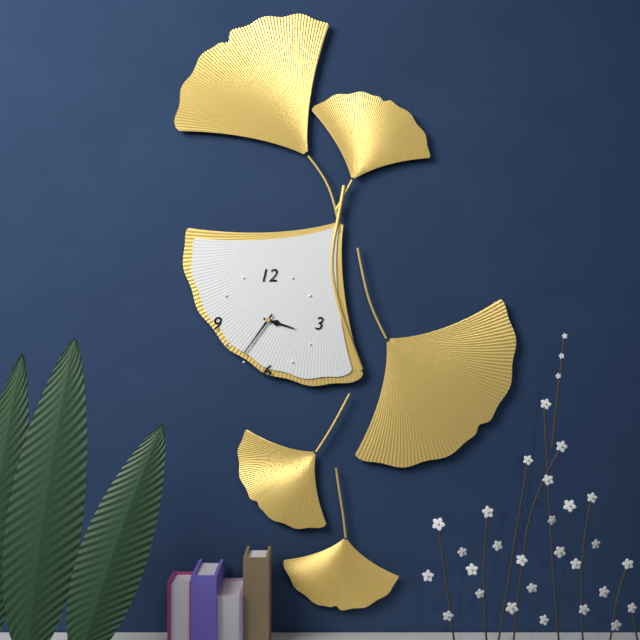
3:36
